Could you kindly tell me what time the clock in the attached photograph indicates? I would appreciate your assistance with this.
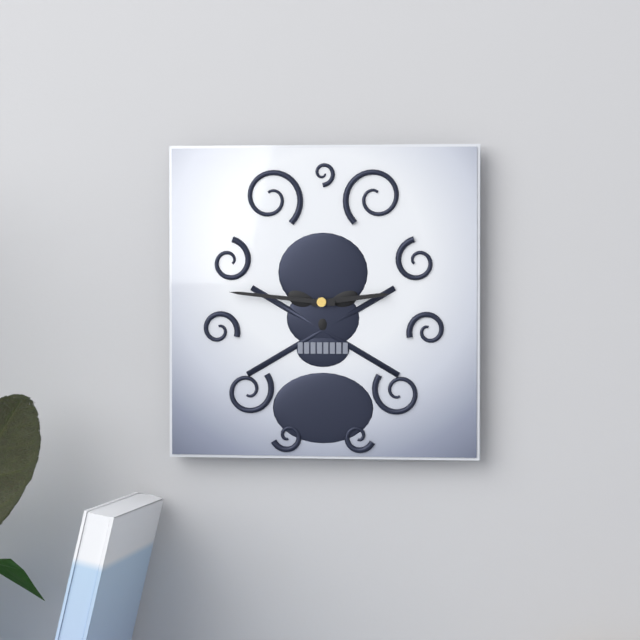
2:46
